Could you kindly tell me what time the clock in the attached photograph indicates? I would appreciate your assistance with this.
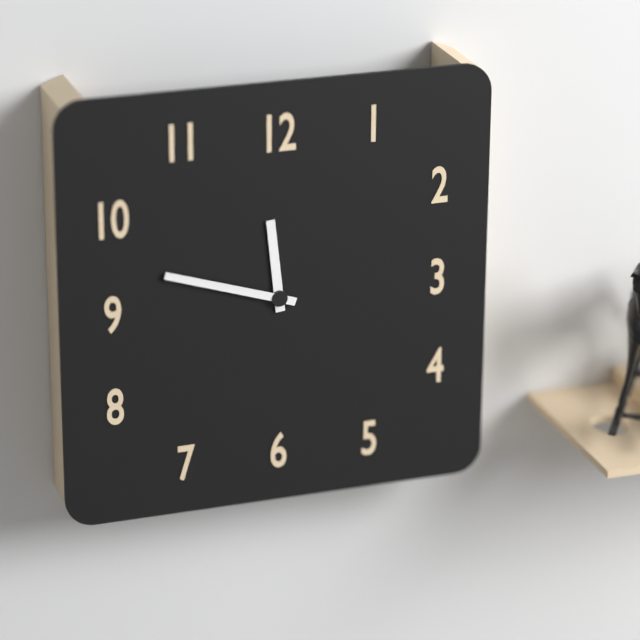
11:48
